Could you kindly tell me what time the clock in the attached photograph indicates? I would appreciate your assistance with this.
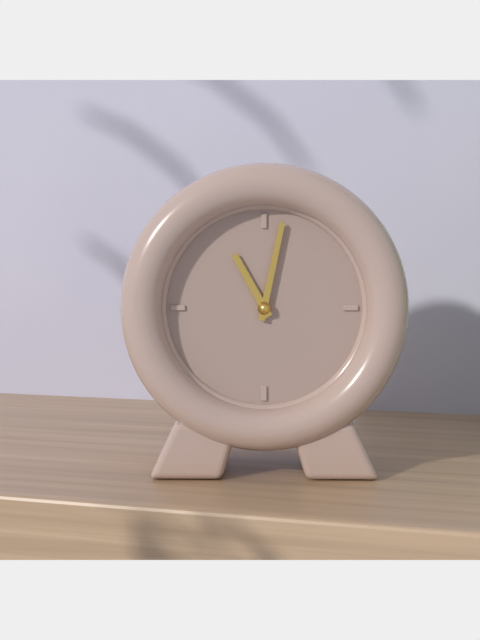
11:02
